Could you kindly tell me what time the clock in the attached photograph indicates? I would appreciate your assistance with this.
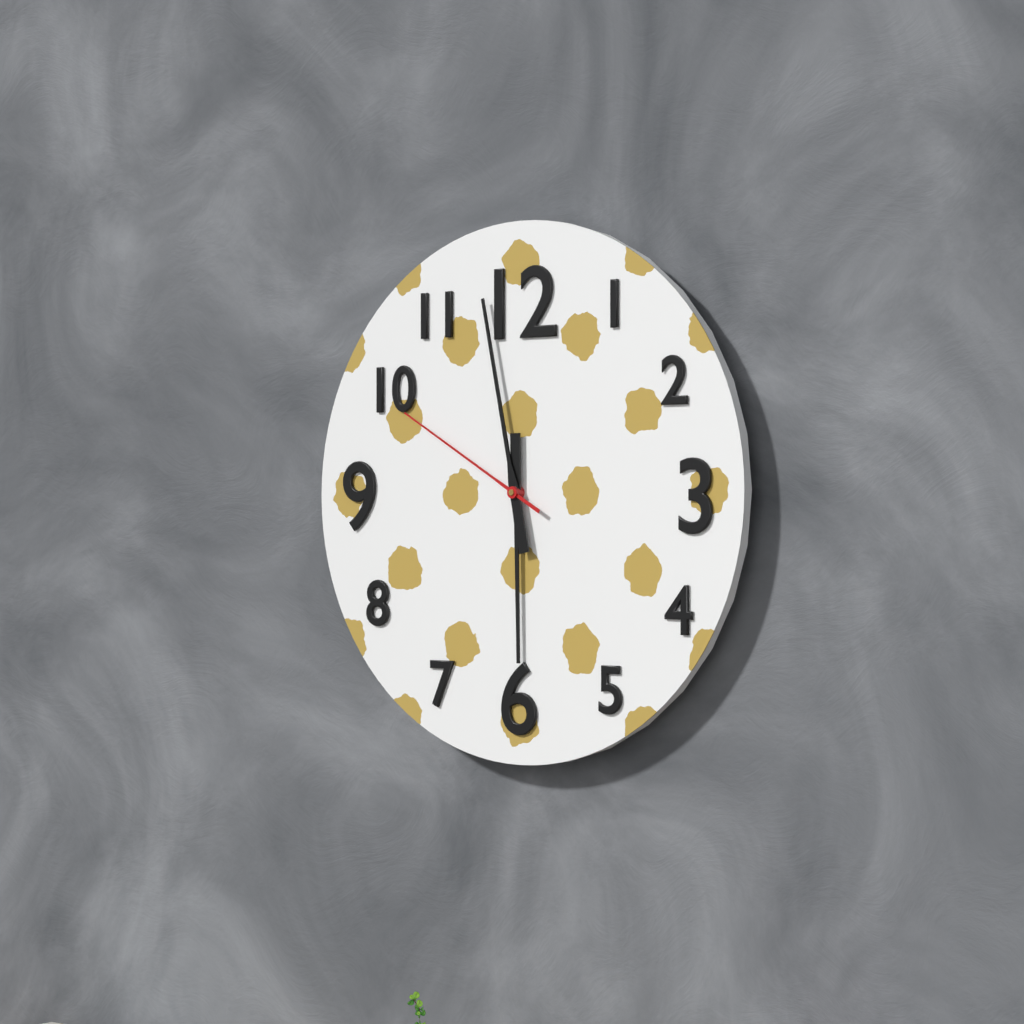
5:58:50
